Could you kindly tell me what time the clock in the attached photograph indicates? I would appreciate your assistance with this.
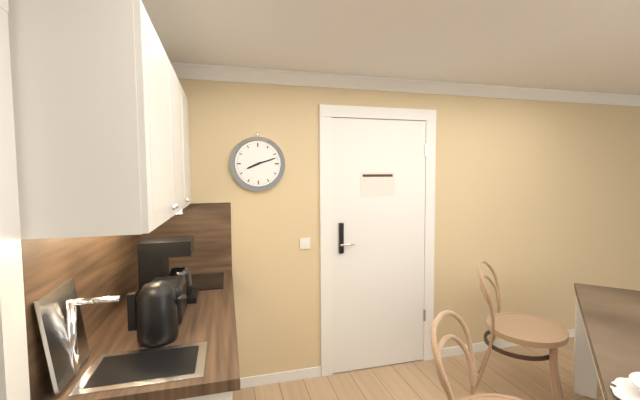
8:12
